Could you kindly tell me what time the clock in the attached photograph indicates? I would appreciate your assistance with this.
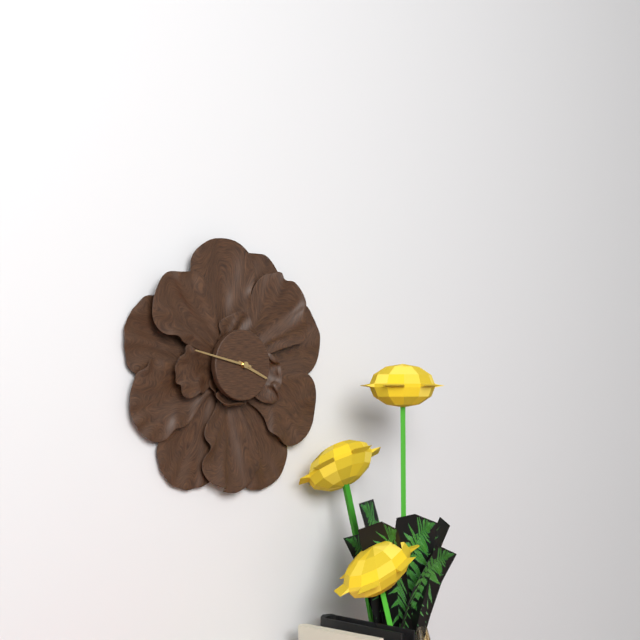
3:47
